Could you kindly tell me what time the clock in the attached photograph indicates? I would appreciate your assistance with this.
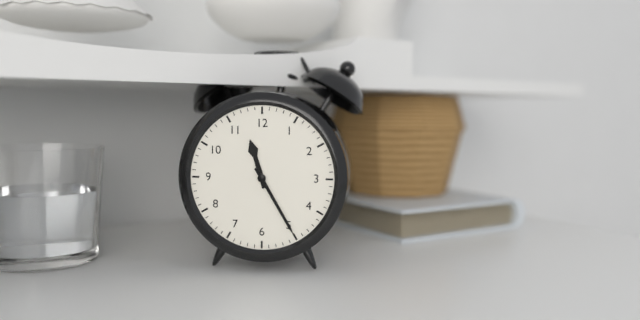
11:25
